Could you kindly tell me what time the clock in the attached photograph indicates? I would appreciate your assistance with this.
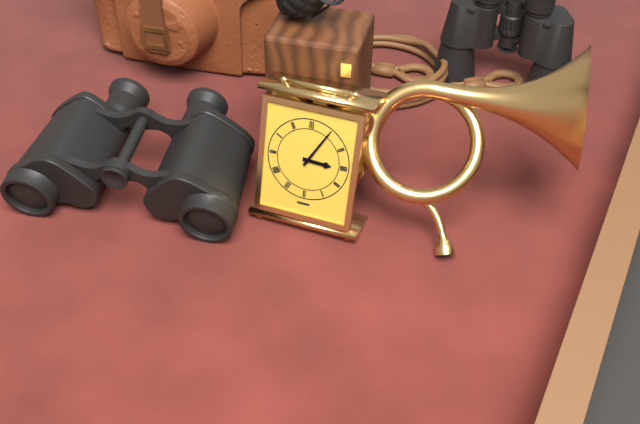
3:05
